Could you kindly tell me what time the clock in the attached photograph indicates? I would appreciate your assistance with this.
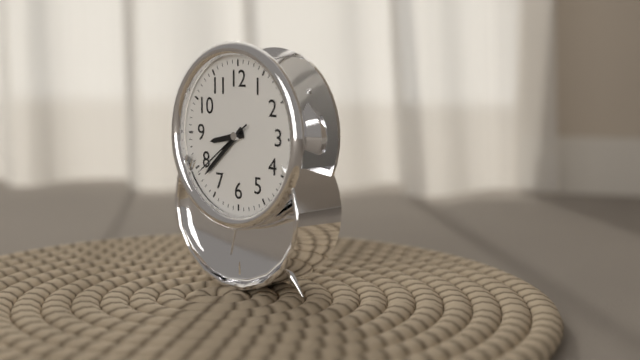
8:38:39
